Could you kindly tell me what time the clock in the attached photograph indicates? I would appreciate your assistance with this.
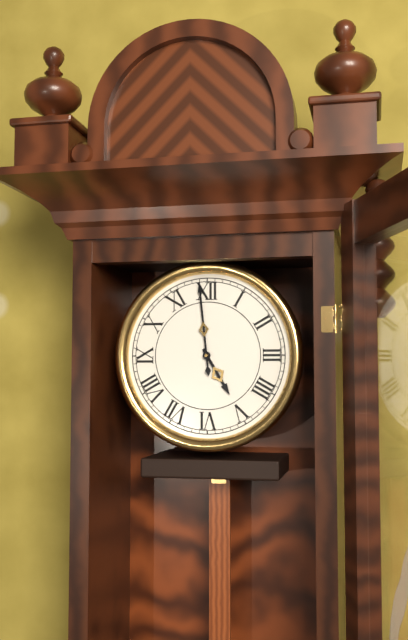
4:59
